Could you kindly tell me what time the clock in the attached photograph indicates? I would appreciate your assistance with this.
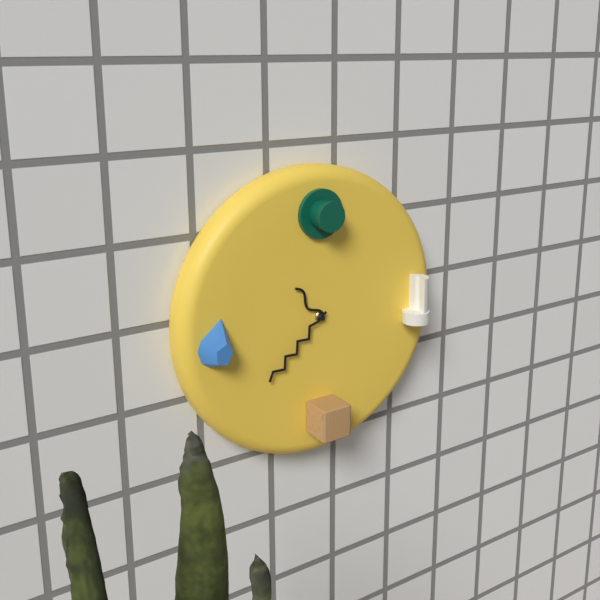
10:38
